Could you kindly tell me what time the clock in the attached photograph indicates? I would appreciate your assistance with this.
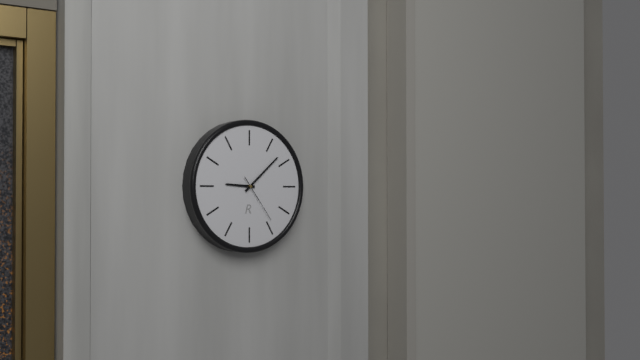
9:08:24
